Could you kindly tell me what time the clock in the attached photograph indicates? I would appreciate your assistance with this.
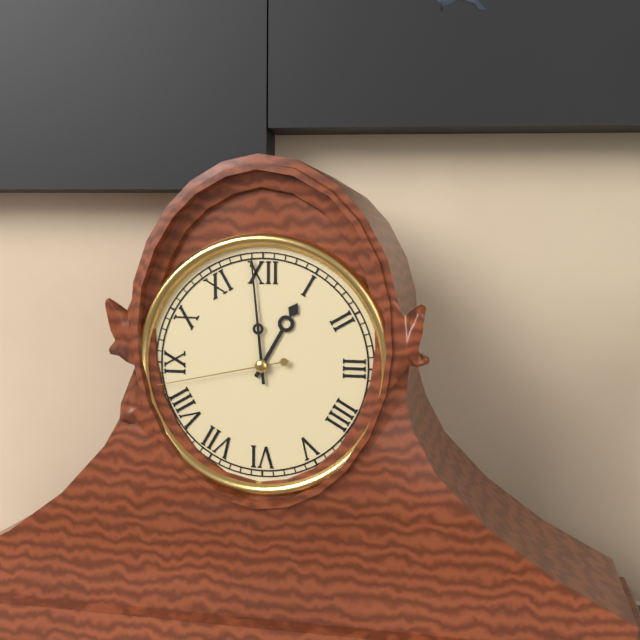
12:59:43
